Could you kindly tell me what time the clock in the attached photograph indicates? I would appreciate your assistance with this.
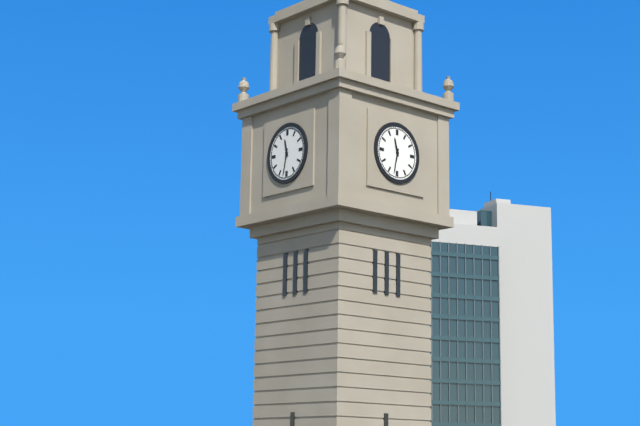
11:32
